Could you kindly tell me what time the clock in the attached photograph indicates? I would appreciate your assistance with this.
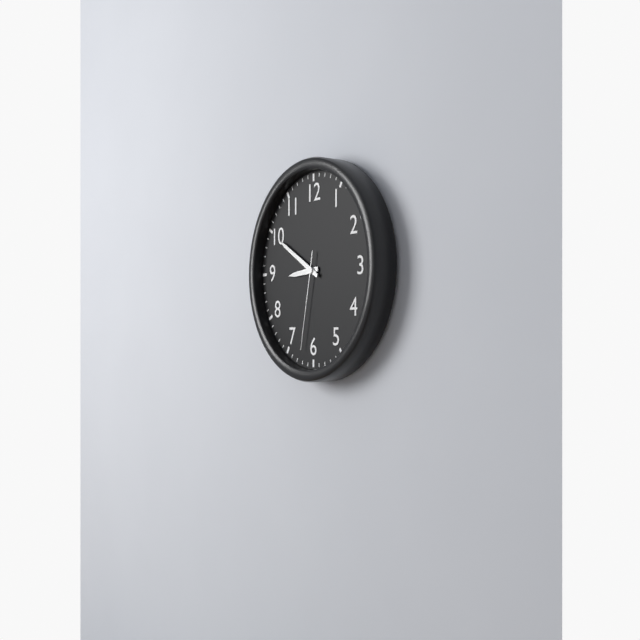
8:50:32
